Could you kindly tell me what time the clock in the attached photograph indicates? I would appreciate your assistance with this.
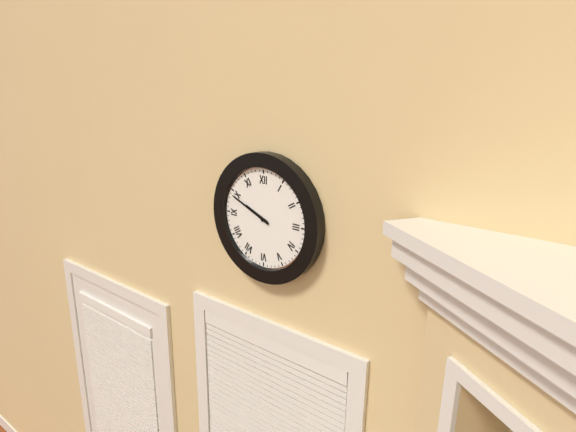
9:49
